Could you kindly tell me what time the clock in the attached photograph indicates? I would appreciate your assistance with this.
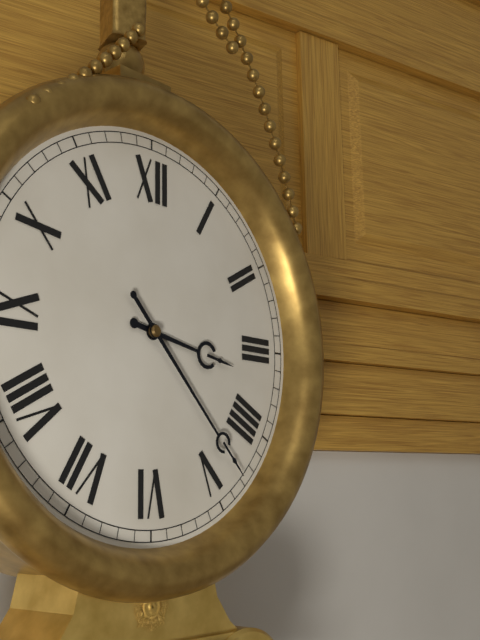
3:23
